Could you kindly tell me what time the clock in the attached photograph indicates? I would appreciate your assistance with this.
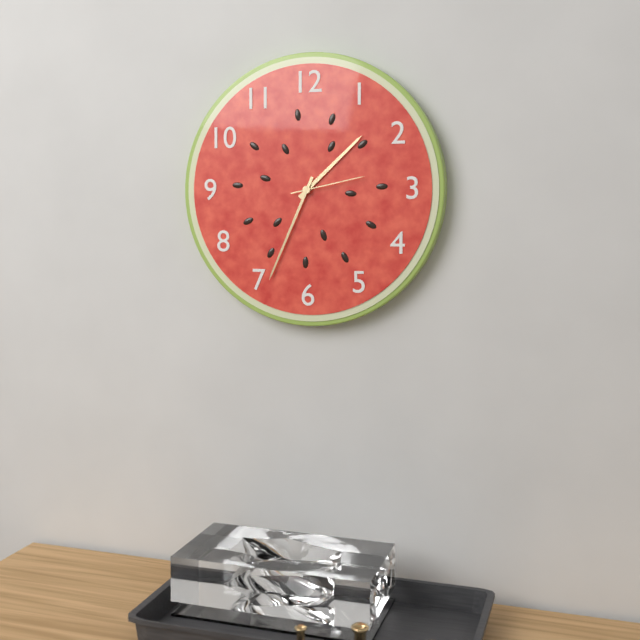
1:34:13
